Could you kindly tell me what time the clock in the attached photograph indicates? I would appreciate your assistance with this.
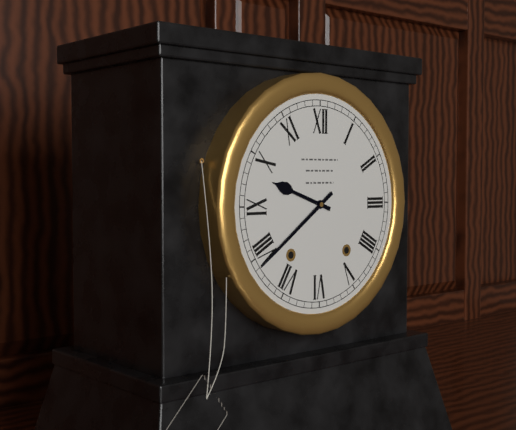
9:39
